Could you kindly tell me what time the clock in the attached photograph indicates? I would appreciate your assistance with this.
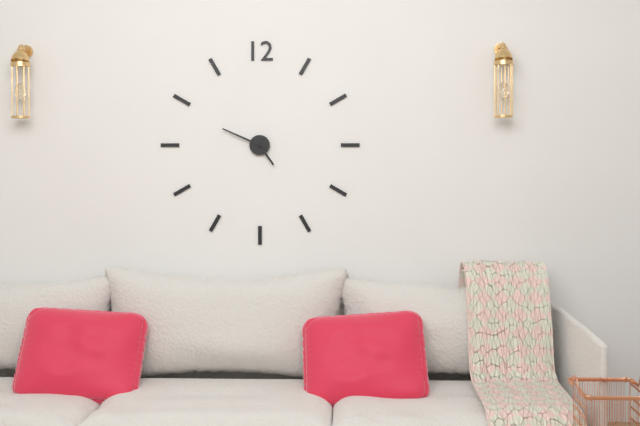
4:49
